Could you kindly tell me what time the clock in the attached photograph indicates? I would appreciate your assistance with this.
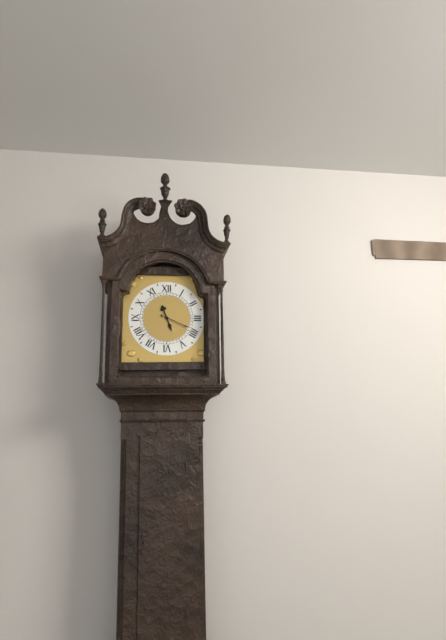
5:19
